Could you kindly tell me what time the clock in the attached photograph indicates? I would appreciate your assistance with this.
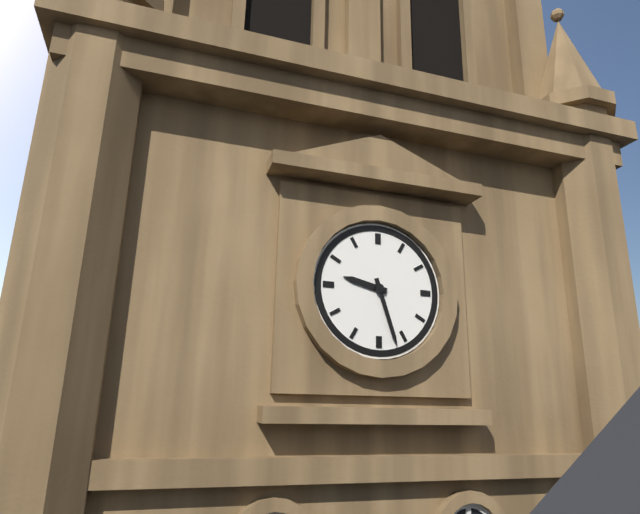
9:27
